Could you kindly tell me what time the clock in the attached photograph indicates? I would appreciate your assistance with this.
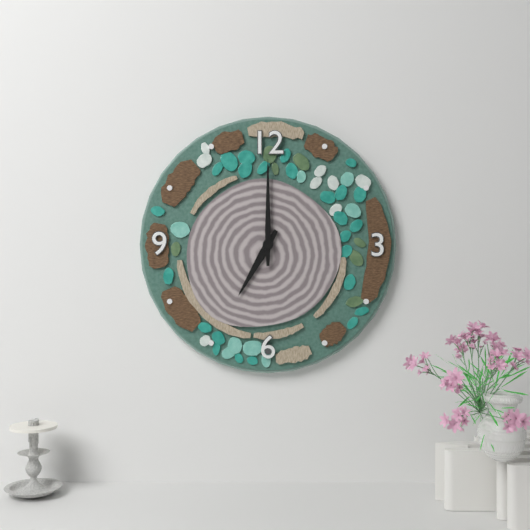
7:00
